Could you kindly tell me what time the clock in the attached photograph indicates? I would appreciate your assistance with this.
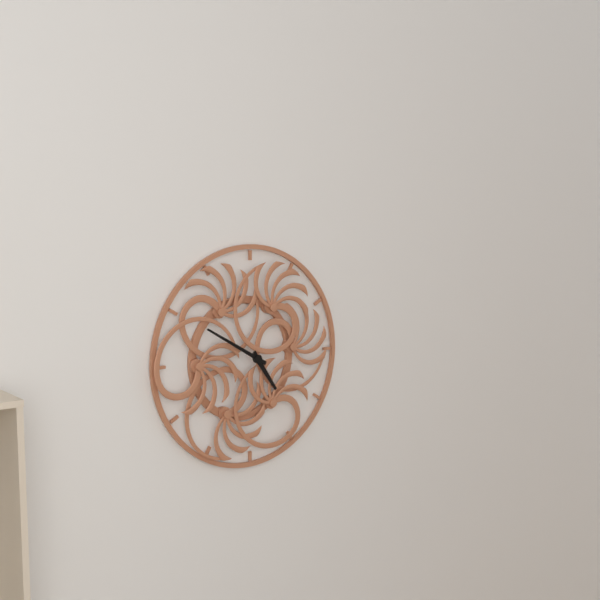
4:50
